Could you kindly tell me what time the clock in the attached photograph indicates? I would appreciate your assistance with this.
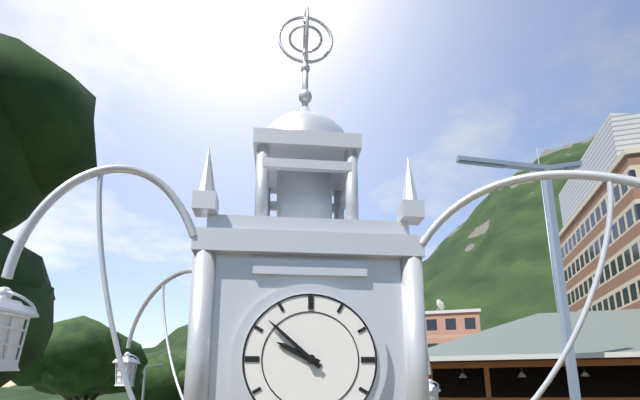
9:52
